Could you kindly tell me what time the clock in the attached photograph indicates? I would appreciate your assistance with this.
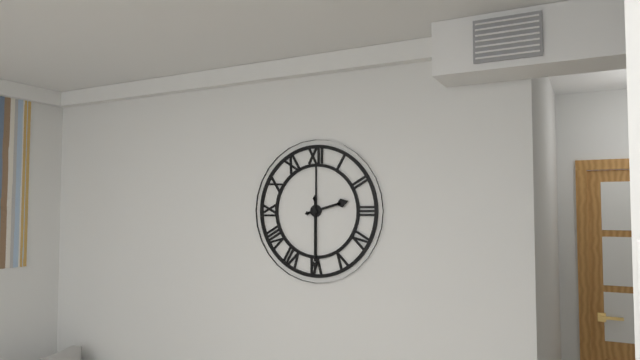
2:30
